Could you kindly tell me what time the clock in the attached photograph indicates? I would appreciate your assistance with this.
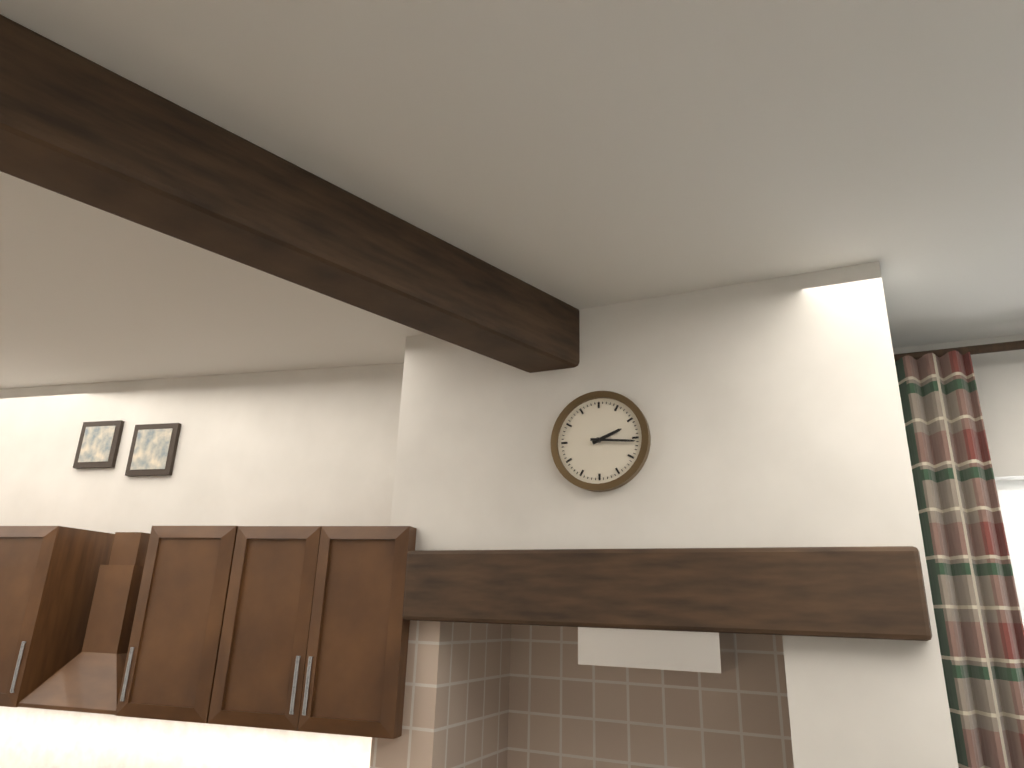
2:16
